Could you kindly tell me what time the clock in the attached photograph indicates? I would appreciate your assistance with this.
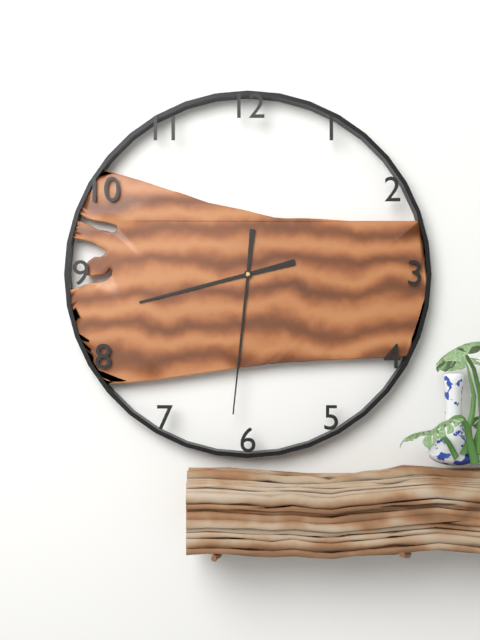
8:31
